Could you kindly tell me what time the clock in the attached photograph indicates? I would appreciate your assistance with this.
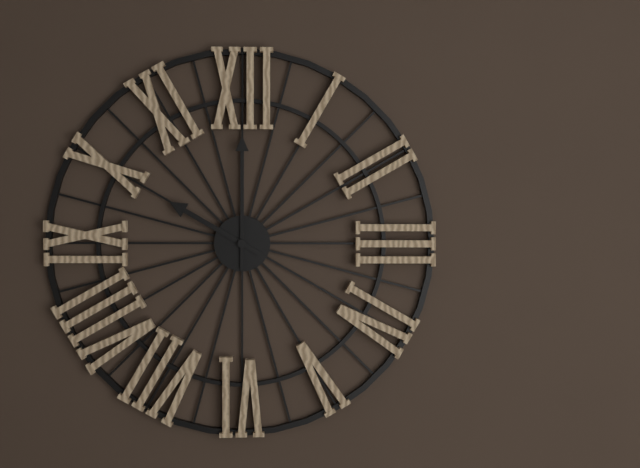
10:00
